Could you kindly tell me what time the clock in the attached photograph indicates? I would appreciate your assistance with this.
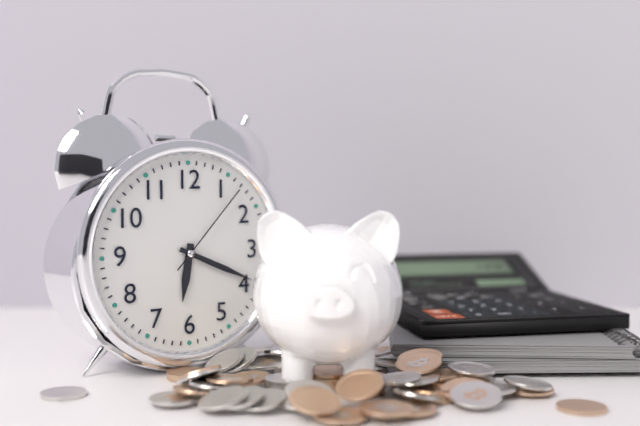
6:19:07
